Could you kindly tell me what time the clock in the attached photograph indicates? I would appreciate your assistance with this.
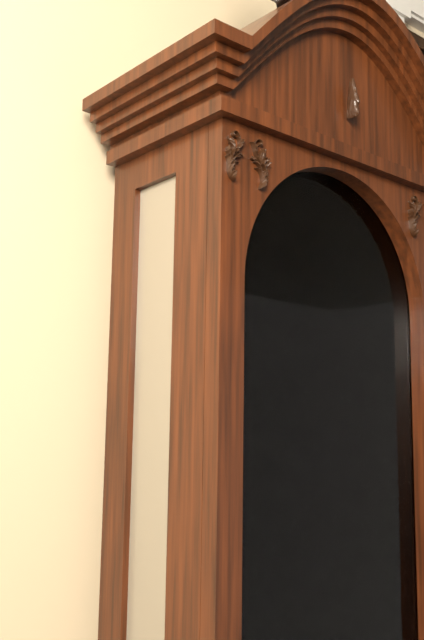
8:19
